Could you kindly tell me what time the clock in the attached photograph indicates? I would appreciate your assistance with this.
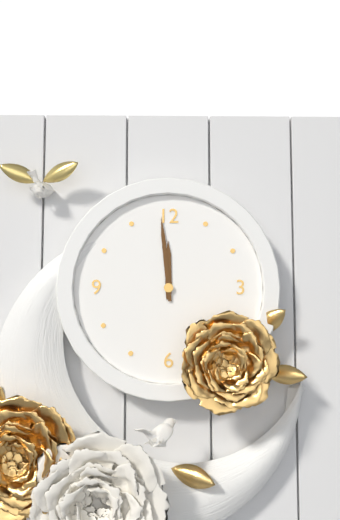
11:59
